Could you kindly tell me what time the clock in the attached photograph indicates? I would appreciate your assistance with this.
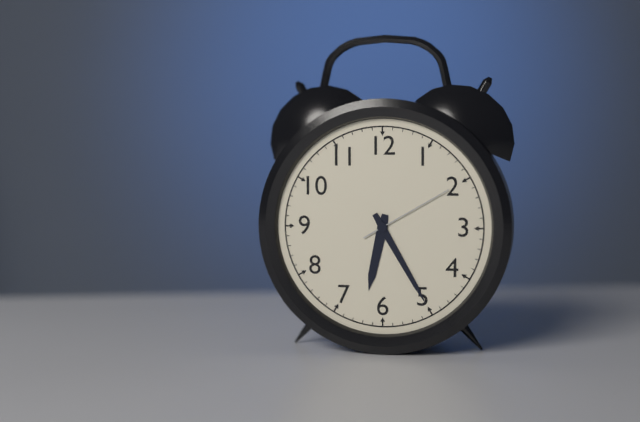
6:25:10
